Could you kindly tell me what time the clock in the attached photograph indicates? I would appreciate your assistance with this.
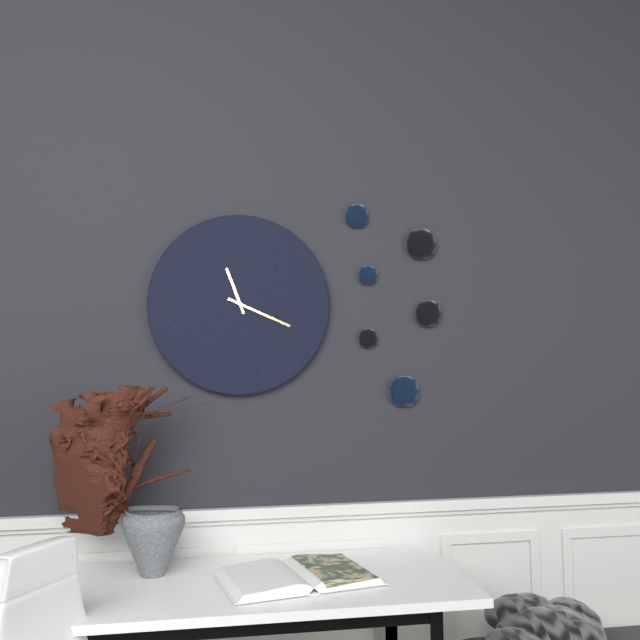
11:19
